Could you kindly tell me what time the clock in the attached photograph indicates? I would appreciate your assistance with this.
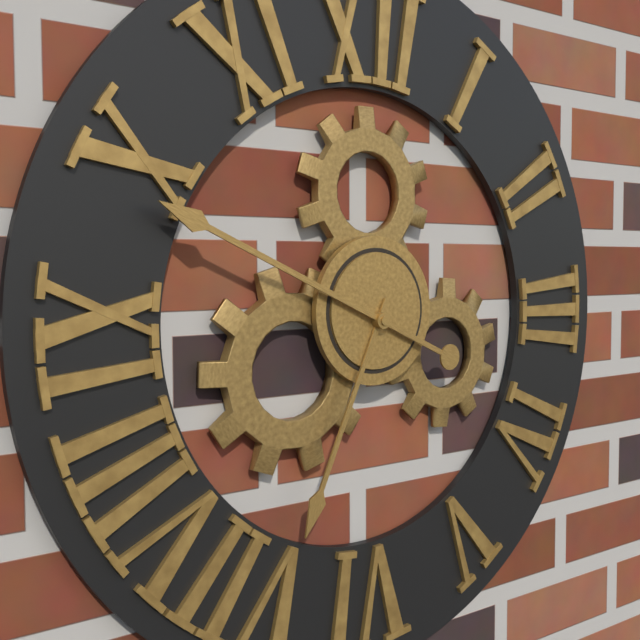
6:49
